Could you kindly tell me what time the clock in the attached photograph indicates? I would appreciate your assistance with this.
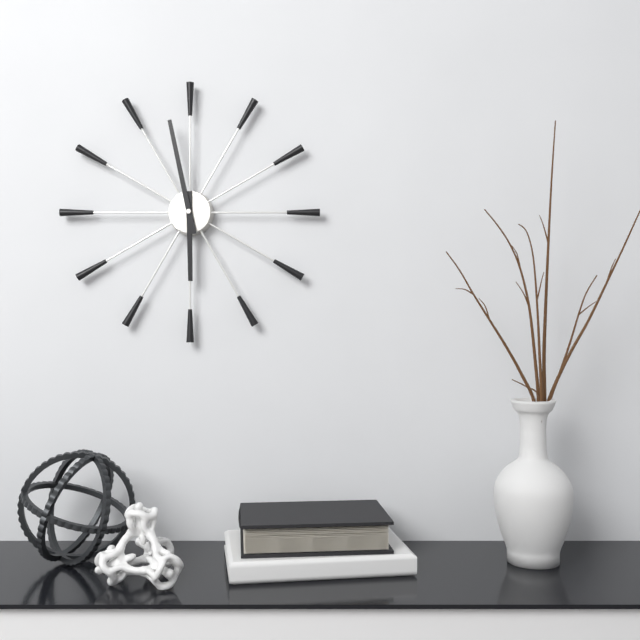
5:58
